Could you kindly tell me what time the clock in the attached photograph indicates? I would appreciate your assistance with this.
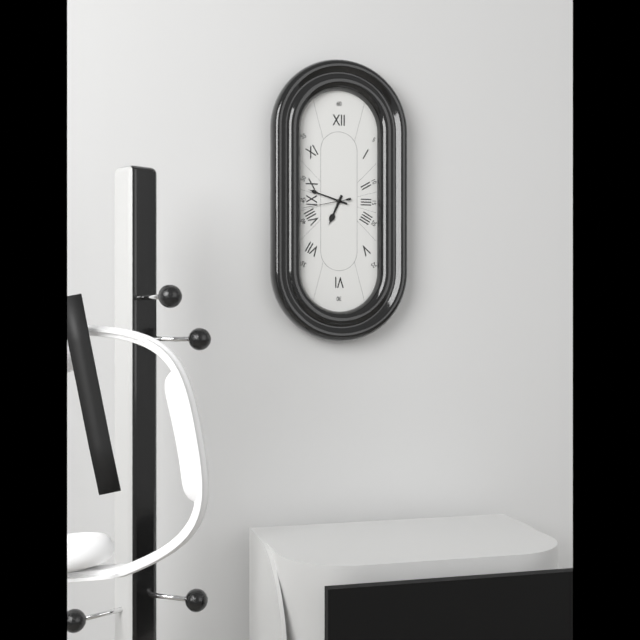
6:48
